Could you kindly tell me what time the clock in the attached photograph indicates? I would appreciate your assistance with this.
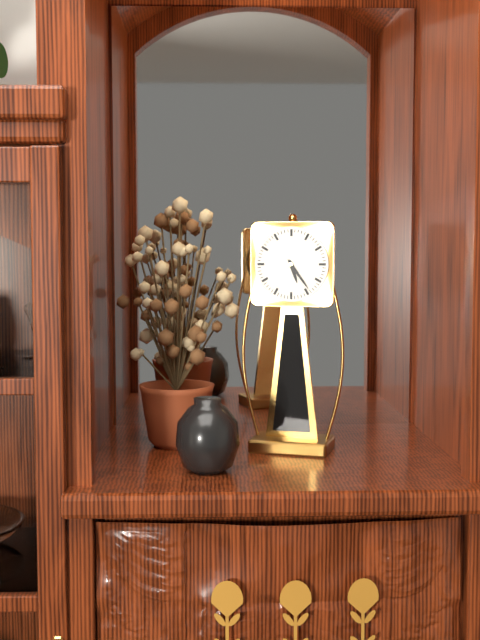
5:24
